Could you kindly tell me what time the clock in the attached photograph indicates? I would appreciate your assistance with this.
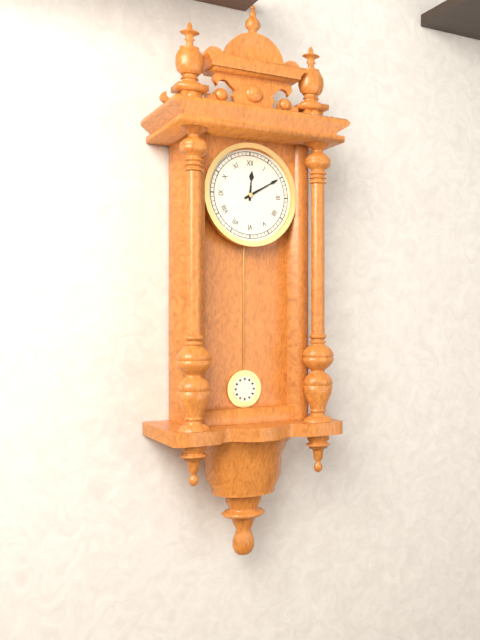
12:10
